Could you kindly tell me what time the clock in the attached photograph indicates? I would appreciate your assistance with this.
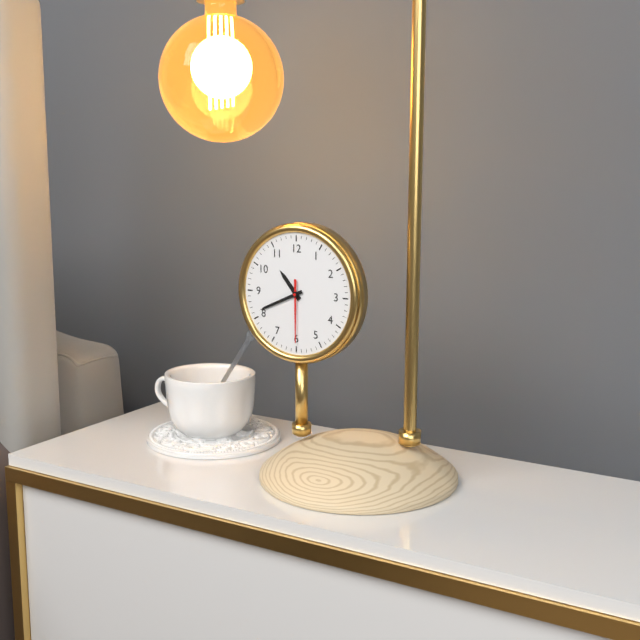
10:41:30
